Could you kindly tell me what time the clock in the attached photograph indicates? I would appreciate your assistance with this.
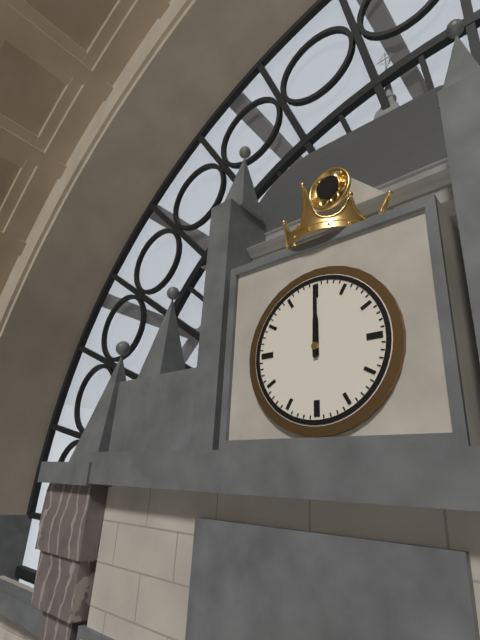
12:00
